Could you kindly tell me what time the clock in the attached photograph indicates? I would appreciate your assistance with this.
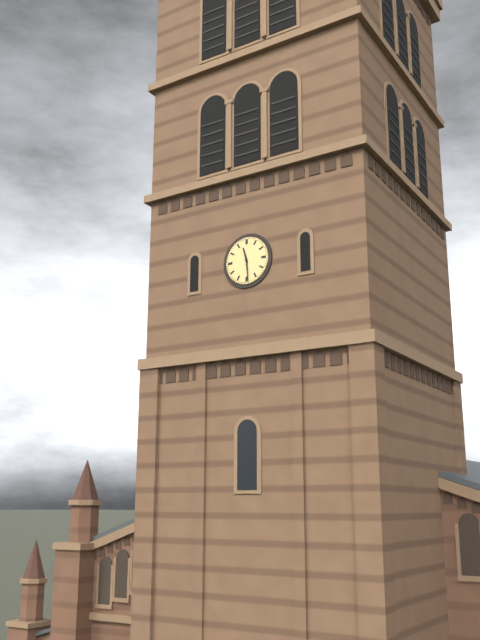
11:29
